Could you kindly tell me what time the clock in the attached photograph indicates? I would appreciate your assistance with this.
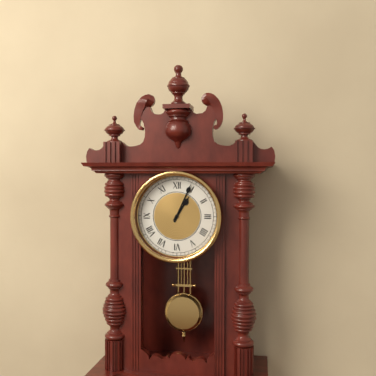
1:04
